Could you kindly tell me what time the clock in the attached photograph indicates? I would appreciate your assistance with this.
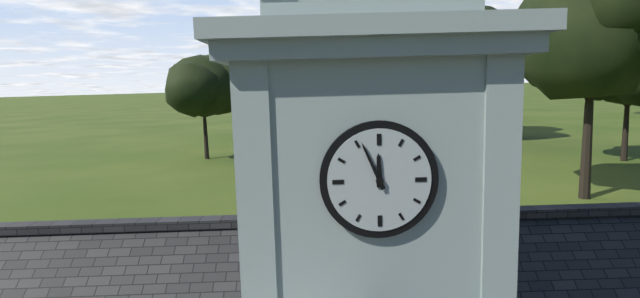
11:56
